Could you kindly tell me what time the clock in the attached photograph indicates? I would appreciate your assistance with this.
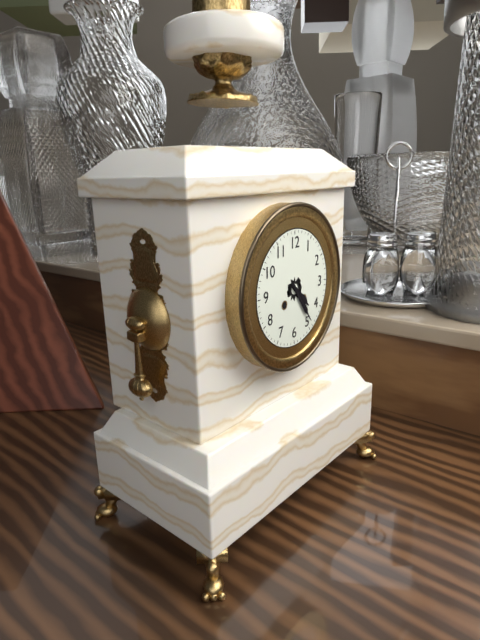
4:24
